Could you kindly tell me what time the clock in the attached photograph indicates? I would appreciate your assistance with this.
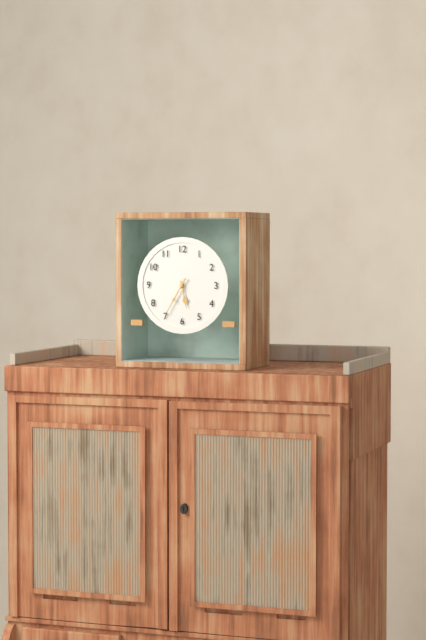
5:35
